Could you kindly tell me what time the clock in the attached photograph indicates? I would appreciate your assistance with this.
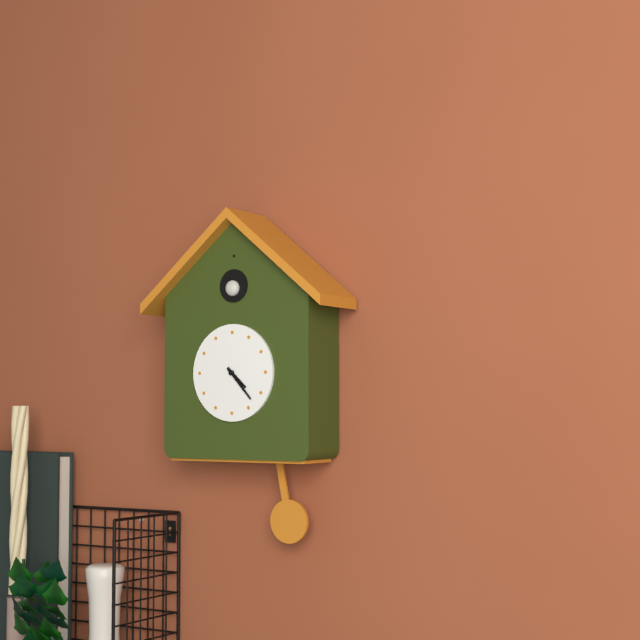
4:23
